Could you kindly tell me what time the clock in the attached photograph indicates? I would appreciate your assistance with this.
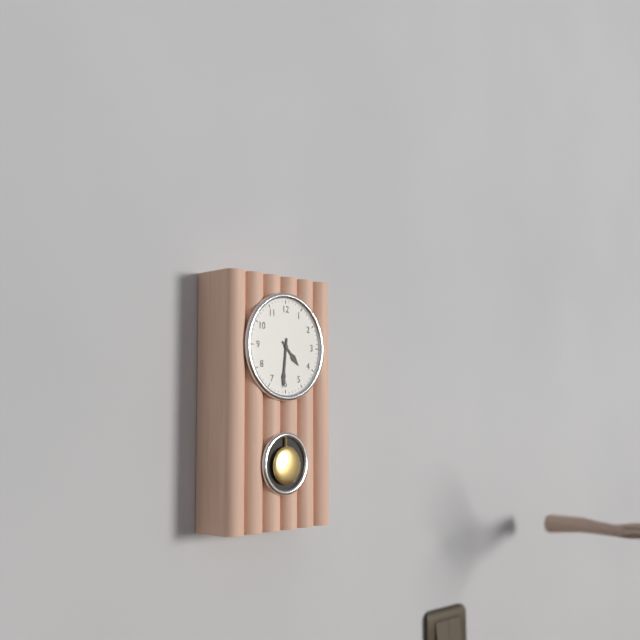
4:31
